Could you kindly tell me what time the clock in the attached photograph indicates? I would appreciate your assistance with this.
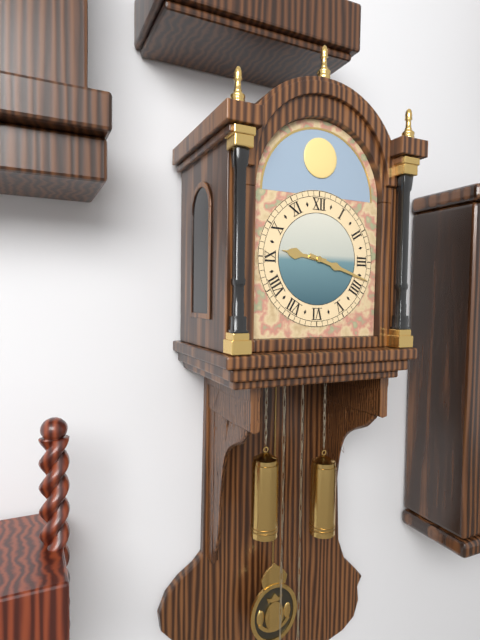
9:18
